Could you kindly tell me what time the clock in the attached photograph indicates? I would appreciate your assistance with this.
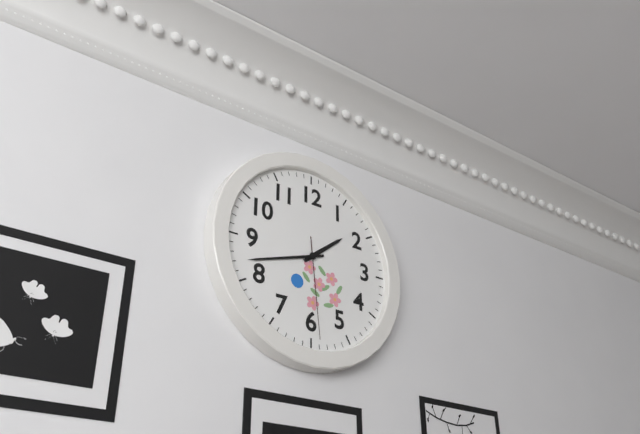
1:42:29
